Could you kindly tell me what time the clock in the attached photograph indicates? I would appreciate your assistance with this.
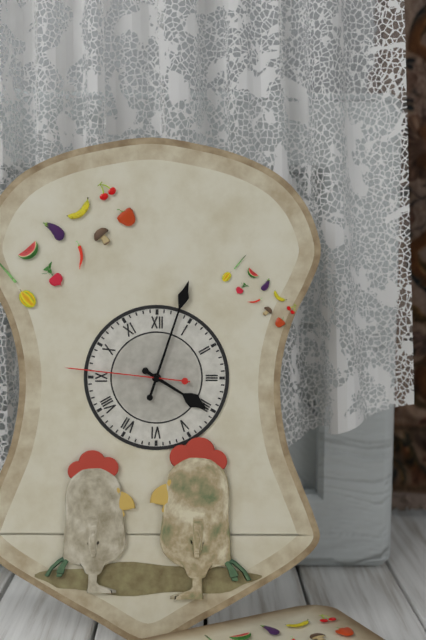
4:03:46
